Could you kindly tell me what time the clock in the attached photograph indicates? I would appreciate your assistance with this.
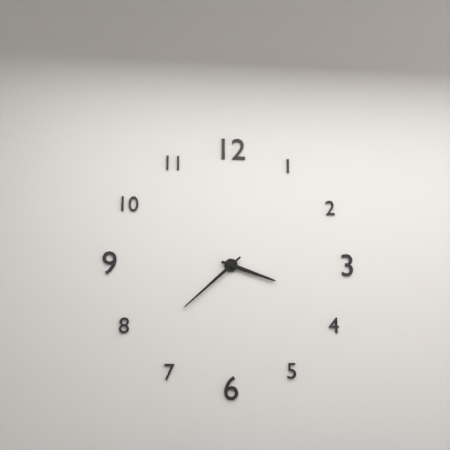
3:38
